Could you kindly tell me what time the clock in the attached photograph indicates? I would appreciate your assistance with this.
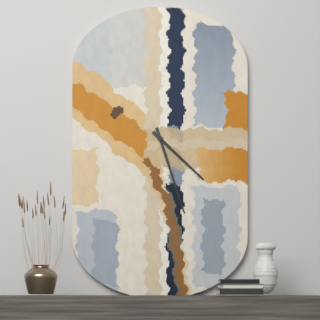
4:27
